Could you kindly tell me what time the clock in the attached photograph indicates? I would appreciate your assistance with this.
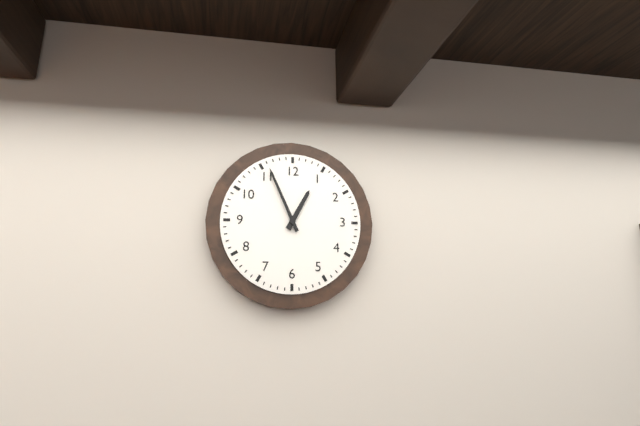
12:56
